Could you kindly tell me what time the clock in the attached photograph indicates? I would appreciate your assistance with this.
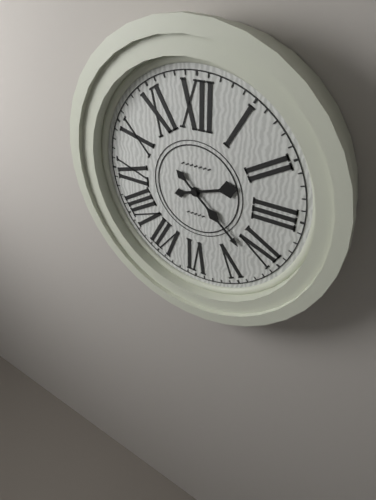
2:22
